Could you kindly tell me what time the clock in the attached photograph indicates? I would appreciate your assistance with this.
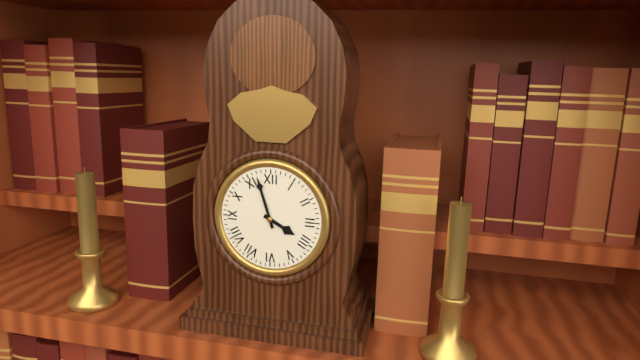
3:57
